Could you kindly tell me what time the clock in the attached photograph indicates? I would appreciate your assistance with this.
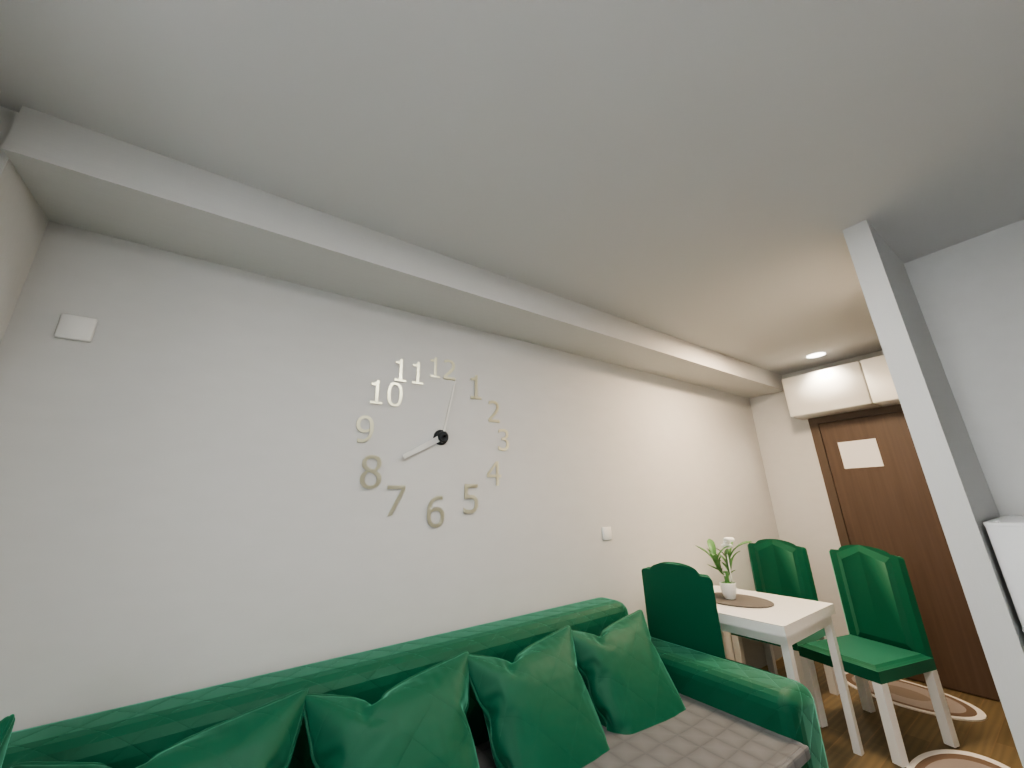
8:02
